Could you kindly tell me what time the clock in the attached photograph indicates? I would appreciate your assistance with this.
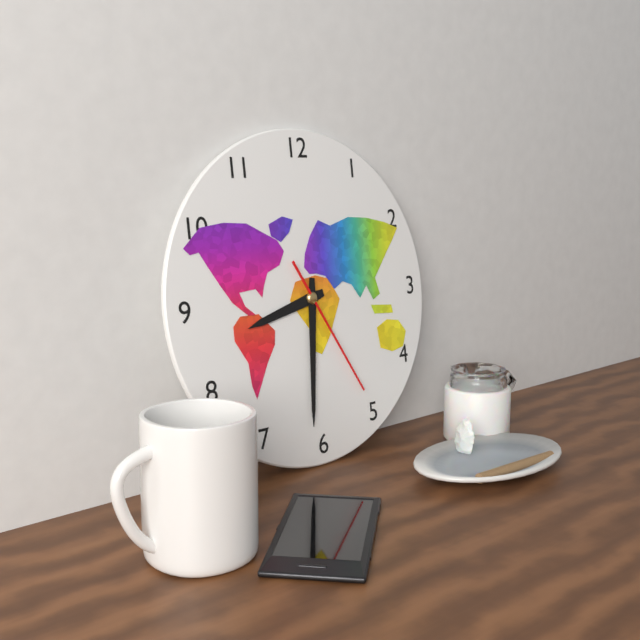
8:31:25
